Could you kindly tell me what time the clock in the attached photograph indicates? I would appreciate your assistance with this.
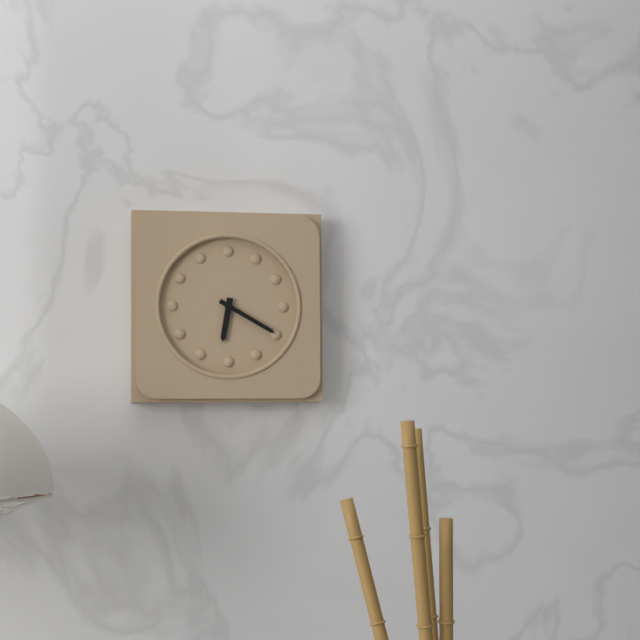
6:20
